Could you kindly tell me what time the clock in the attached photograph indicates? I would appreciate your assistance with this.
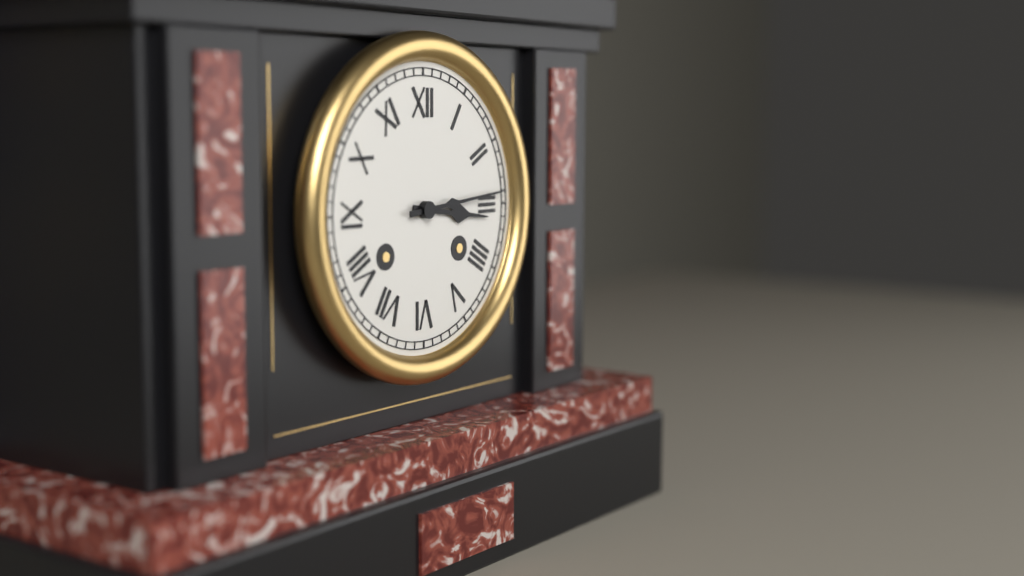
3:14
